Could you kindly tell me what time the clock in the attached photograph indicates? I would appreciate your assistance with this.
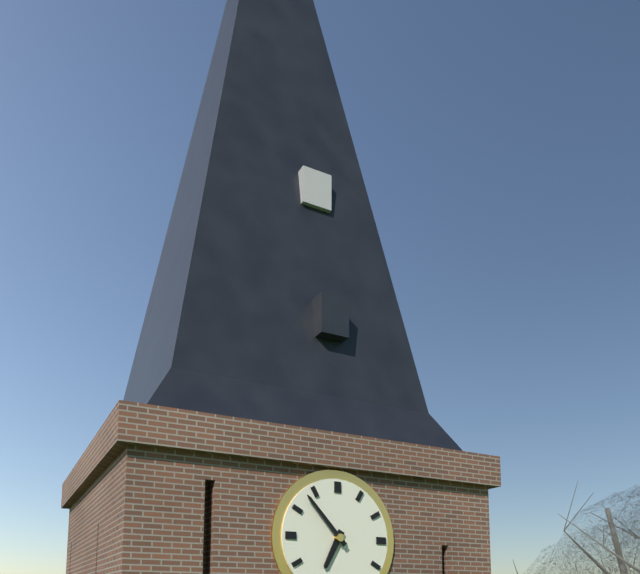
6:53
